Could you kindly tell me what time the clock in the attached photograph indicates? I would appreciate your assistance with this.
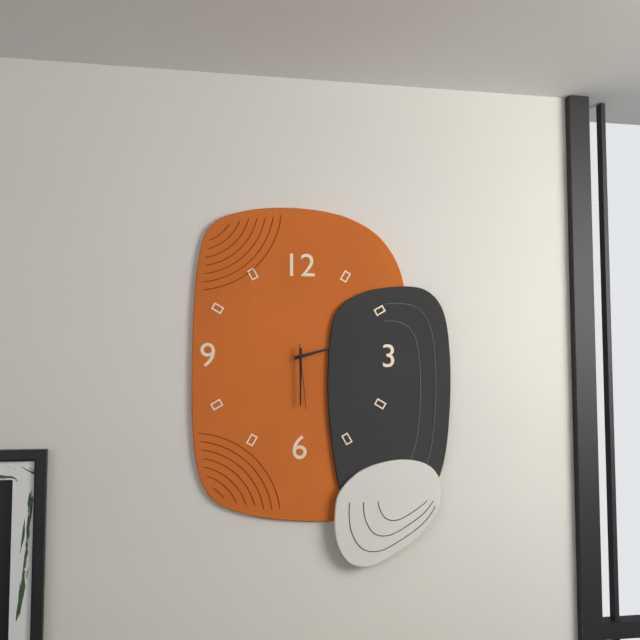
2:30:29
